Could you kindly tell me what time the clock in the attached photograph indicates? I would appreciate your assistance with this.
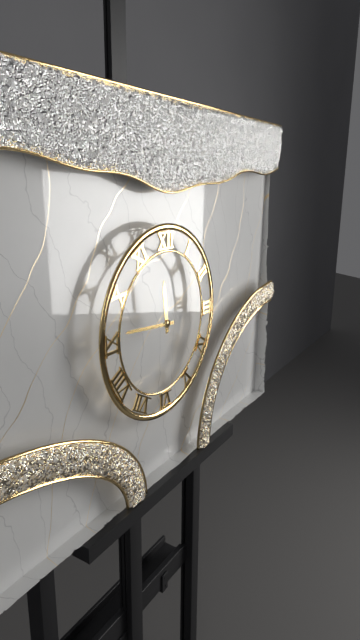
11:46
